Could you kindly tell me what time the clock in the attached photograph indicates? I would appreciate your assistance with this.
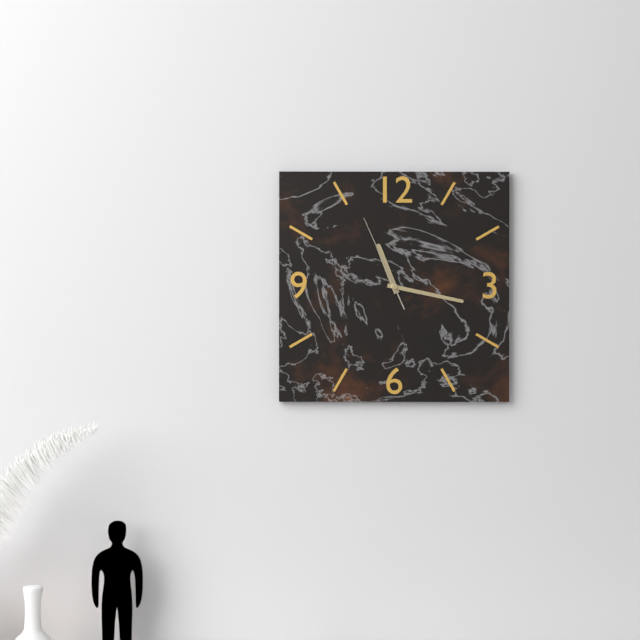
11:17:56
